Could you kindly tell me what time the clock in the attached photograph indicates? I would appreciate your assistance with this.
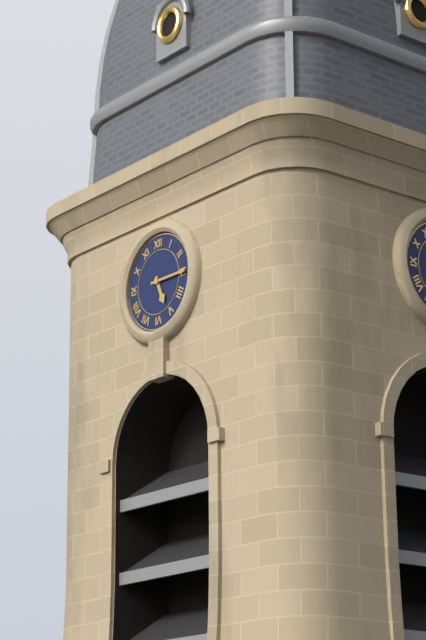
5:15
